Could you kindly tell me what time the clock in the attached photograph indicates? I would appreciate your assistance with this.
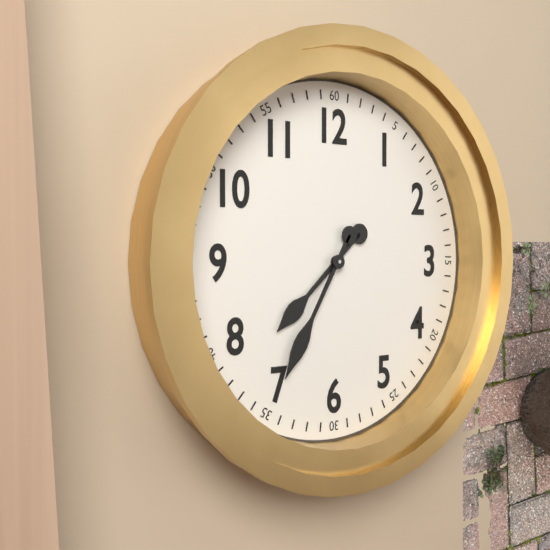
7:35
